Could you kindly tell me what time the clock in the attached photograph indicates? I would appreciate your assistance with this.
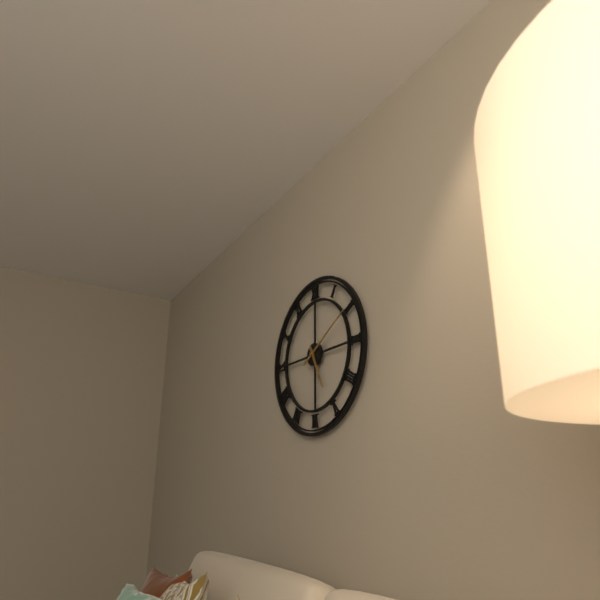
5:10
